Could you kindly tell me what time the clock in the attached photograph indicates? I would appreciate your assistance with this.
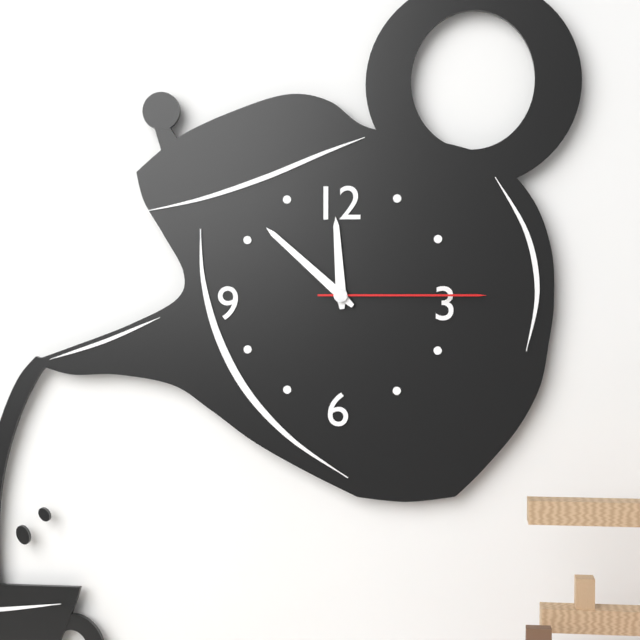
11:52:15
